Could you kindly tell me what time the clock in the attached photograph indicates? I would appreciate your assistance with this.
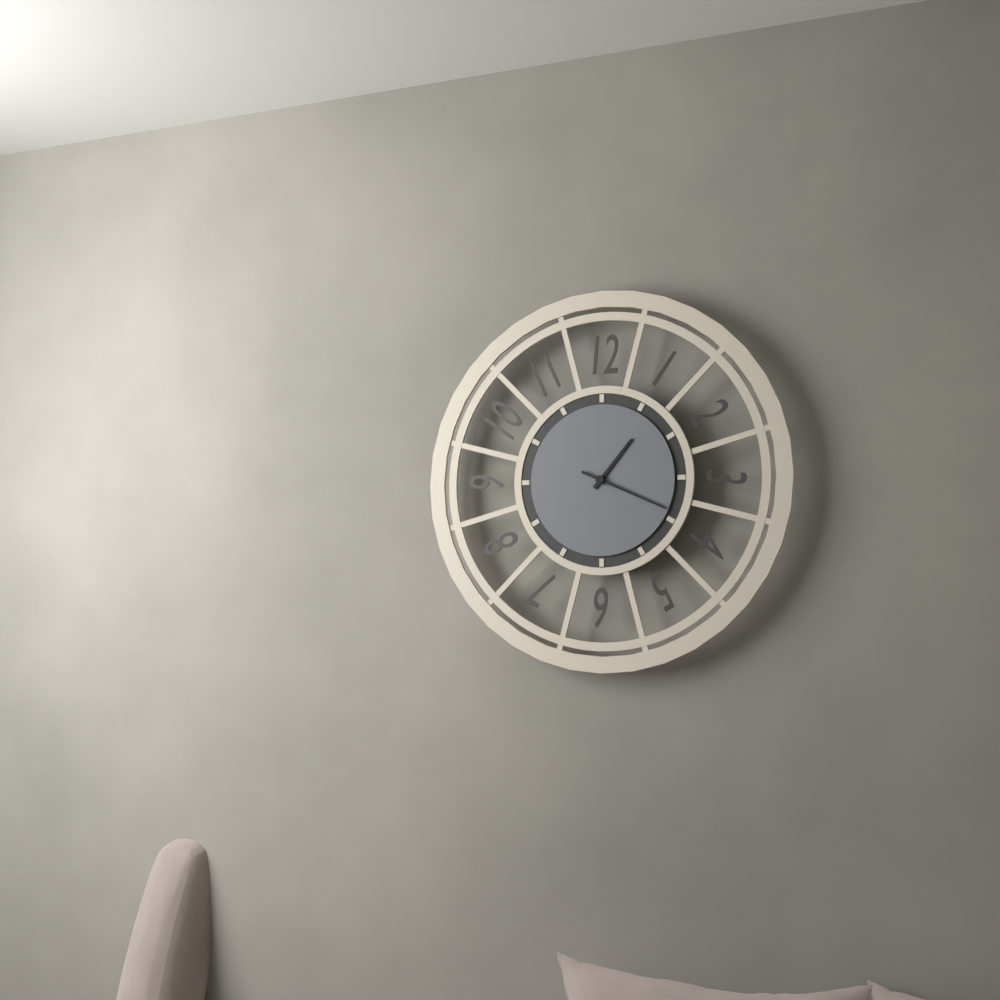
1:19
